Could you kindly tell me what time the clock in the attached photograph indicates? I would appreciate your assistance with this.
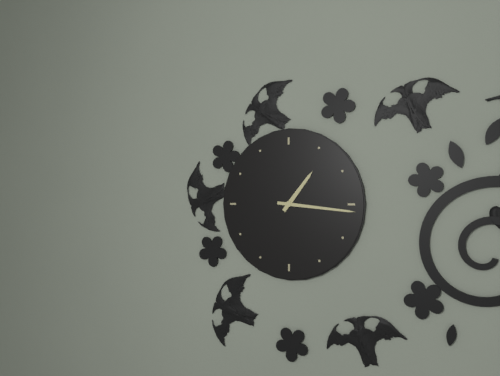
1:16
